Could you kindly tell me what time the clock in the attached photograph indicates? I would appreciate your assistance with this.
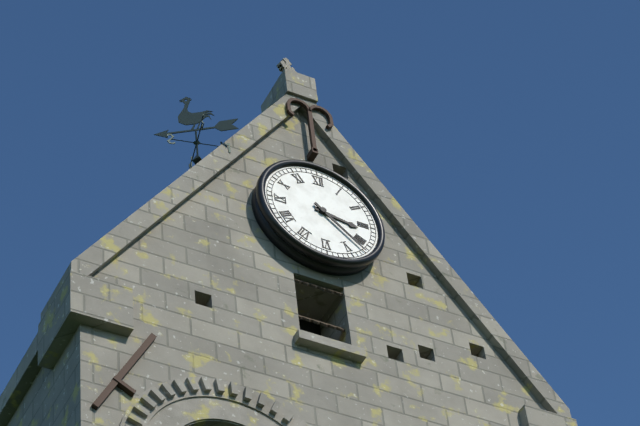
3:22
